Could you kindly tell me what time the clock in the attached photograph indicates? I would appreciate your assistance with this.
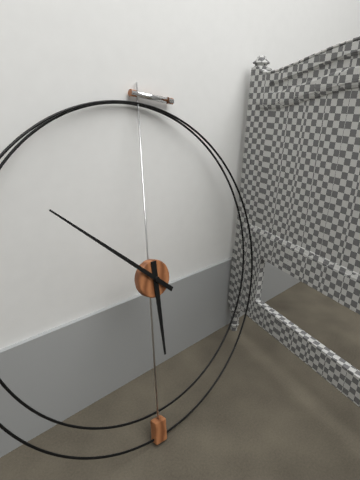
5:51
